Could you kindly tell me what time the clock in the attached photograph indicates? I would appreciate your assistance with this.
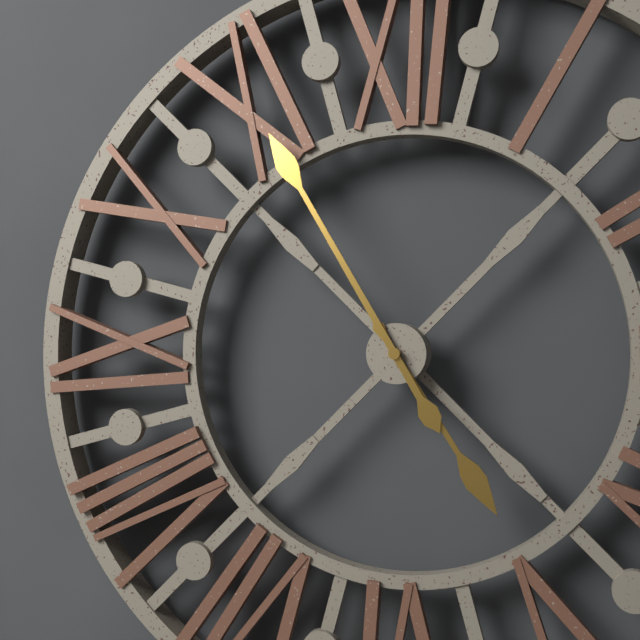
4:55
